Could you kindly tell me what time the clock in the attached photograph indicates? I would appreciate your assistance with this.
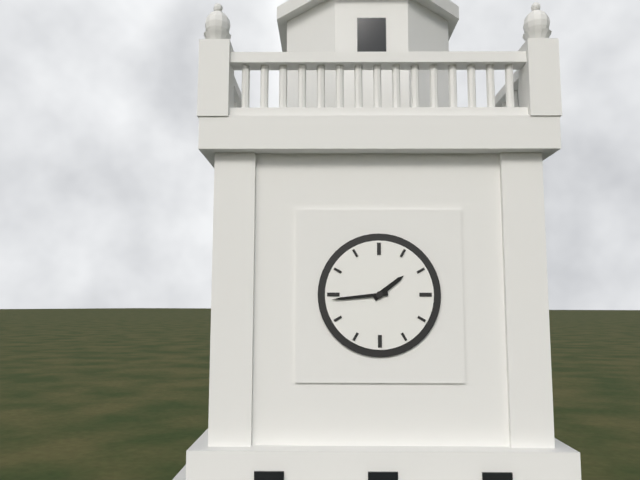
1:44
